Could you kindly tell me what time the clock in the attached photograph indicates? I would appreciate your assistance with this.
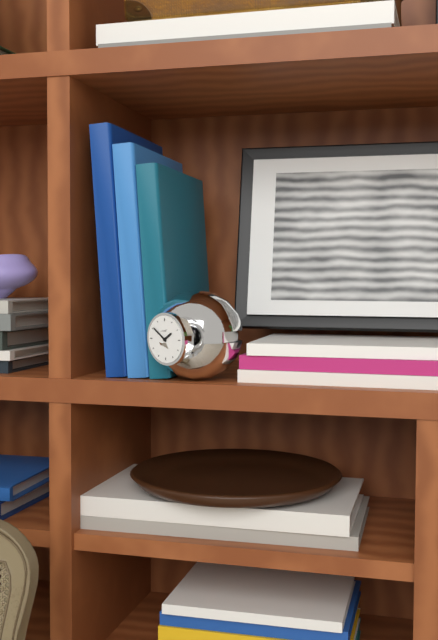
1:51
